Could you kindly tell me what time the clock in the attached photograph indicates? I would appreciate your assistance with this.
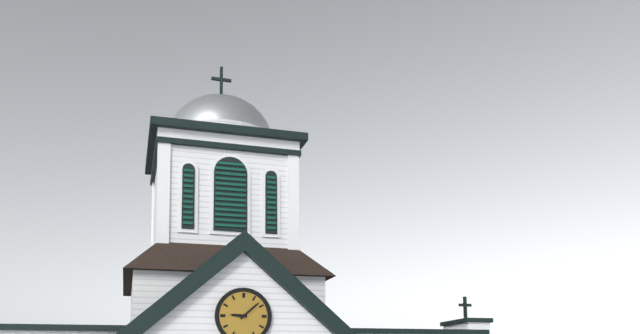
9:08
